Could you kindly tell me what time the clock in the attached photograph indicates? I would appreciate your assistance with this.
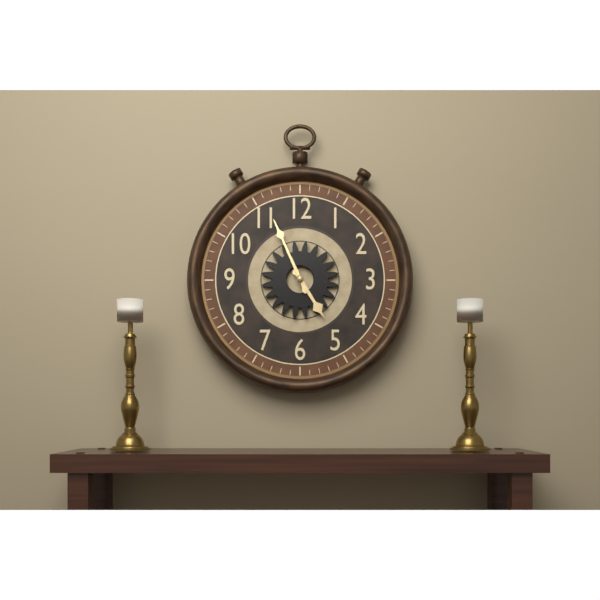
4:56
